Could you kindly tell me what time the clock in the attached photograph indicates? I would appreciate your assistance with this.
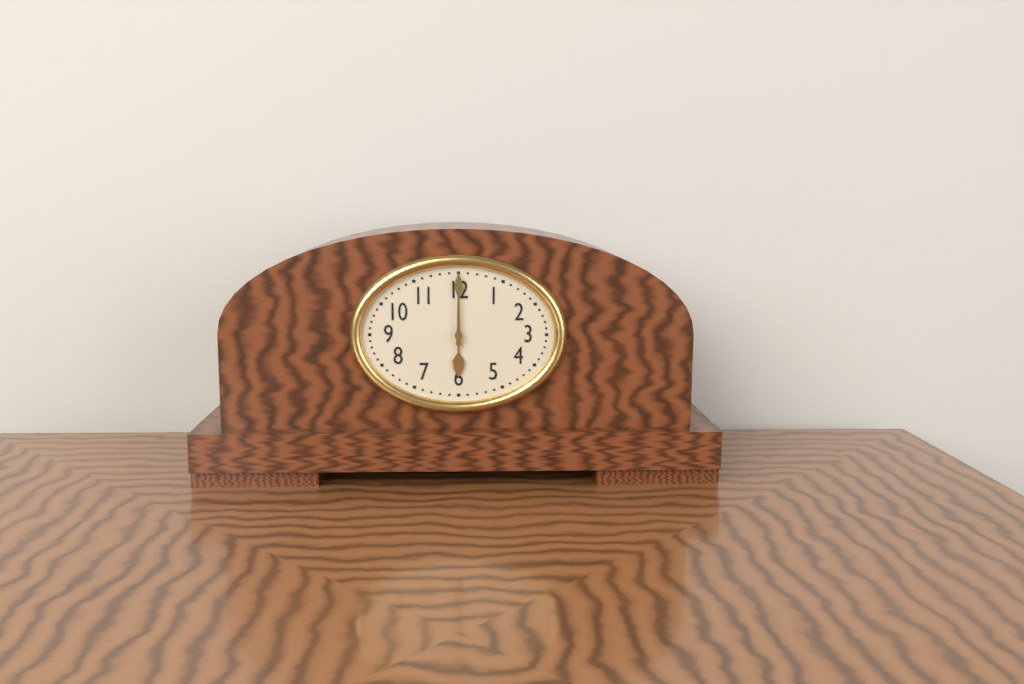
6:00
